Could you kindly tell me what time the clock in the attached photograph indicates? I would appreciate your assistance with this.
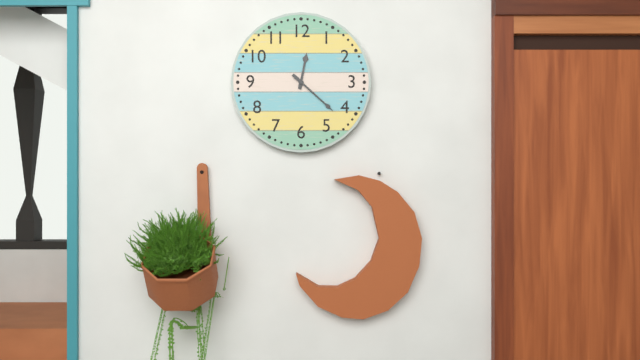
12:22
